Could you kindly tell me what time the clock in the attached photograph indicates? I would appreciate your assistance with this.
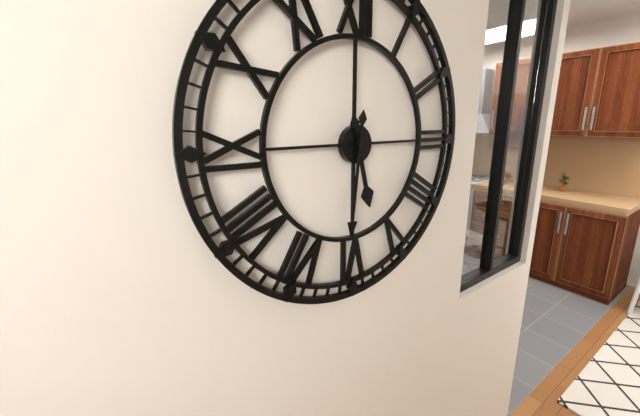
5:31
